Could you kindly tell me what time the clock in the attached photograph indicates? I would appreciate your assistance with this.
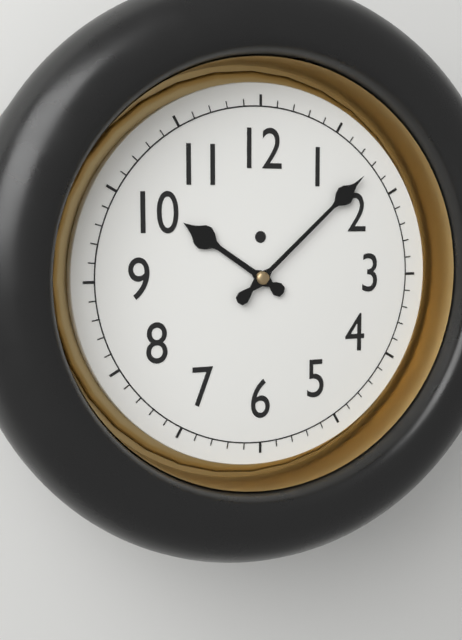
10:08
